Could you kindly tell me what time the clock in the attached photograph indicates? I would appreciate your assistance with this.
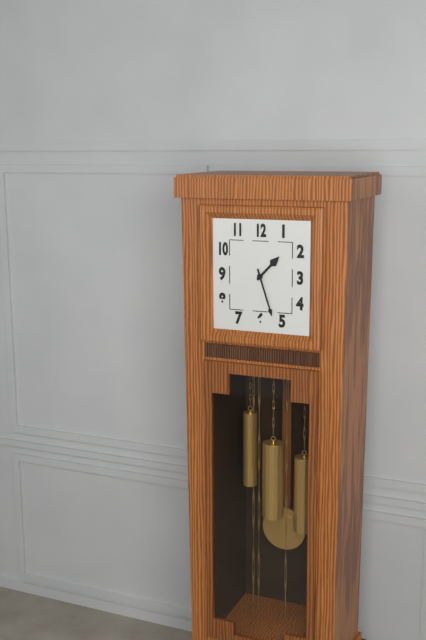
1:27
